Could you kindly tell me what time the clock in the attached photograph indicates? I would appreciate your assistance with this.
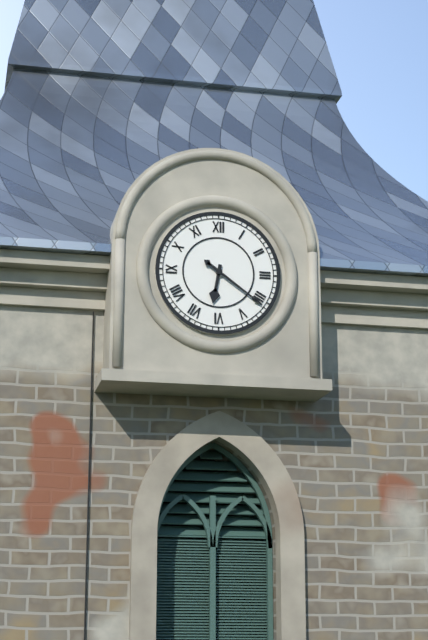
6:21
